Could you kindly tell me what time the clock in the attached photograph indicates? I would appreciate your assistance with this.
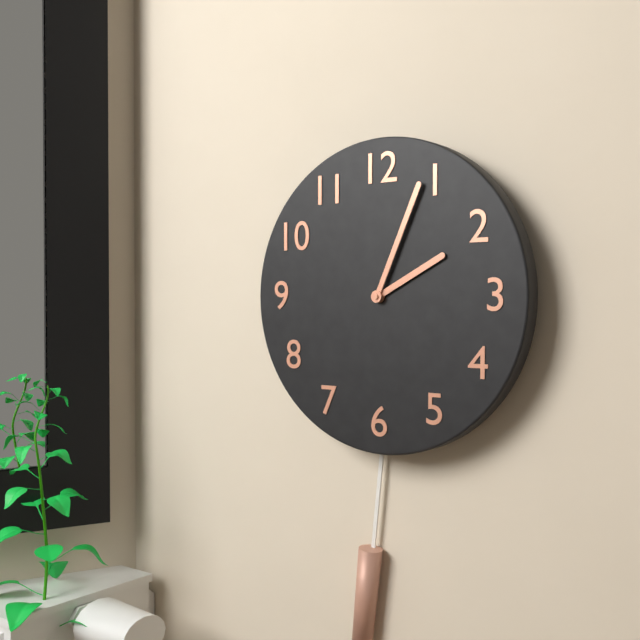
2:04
